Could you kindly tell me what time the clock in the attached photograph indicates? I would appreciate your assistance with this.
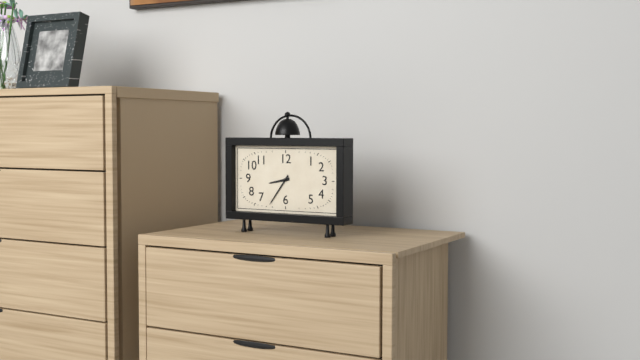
8:36
